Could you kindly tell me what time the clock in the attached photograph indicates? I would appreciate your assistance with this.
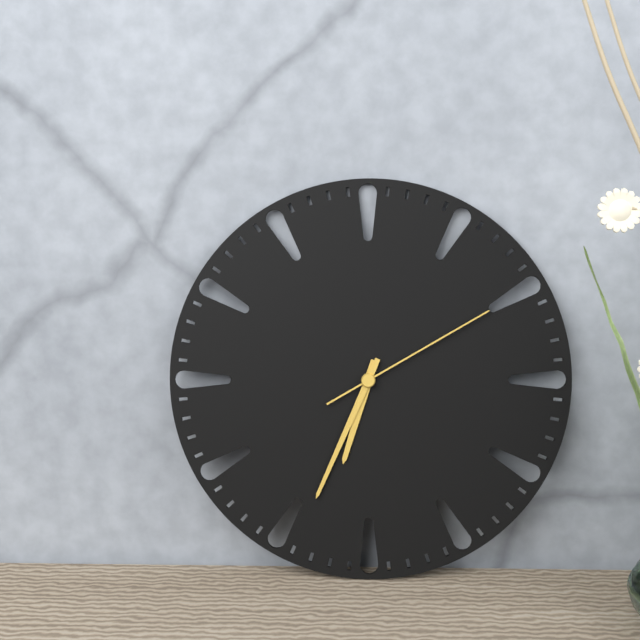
6:34:10
